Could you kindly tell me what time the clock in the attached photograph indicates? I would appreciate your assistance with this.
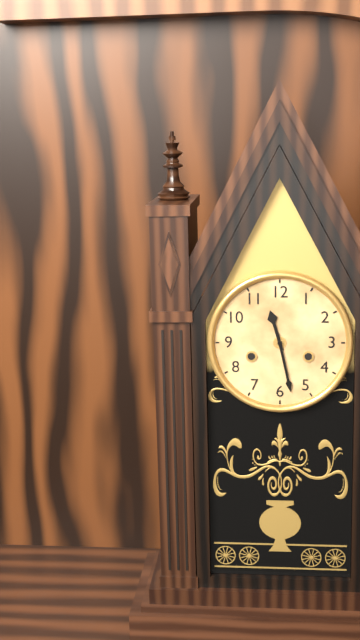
11:28
